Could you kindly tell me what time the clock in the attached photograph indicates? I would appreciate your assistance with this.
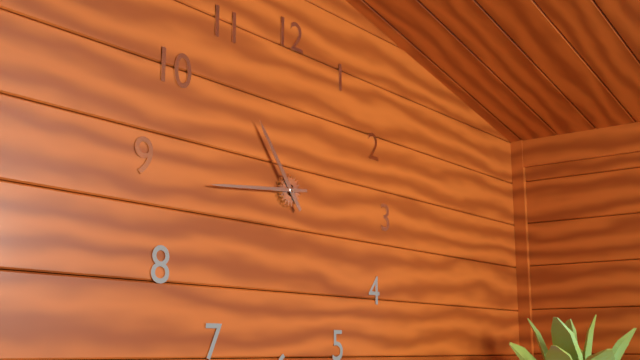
10:44
